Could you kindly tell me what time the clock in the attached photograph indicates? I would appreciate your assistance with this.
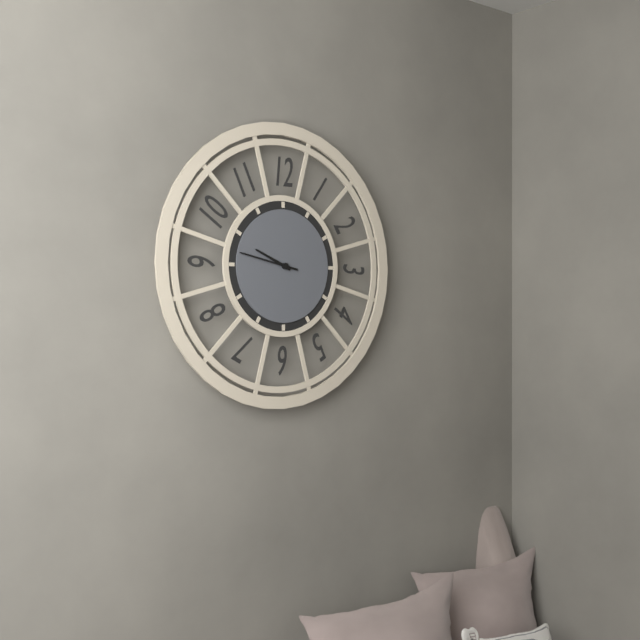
9:47
